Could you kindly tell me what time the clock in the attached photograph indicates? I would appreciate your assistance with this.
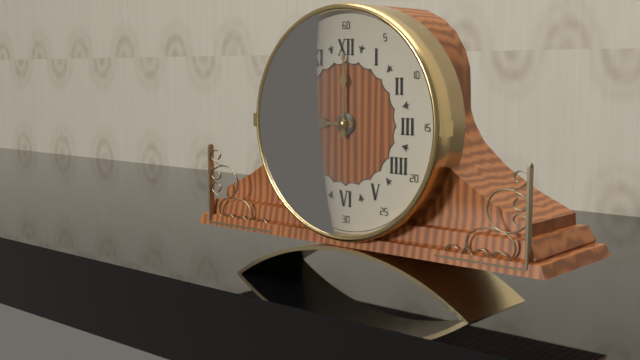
9:00
